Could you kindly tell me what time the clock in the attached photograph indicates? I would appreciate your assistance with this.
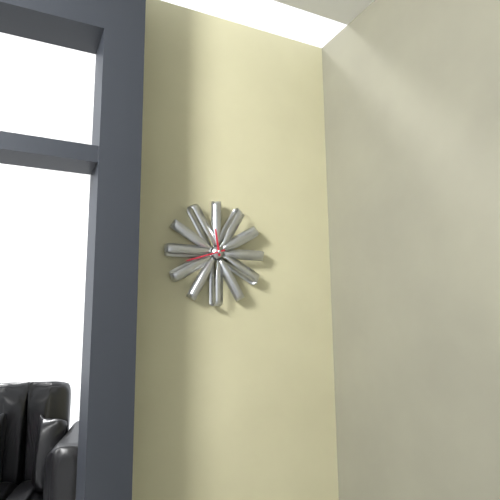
11:42
